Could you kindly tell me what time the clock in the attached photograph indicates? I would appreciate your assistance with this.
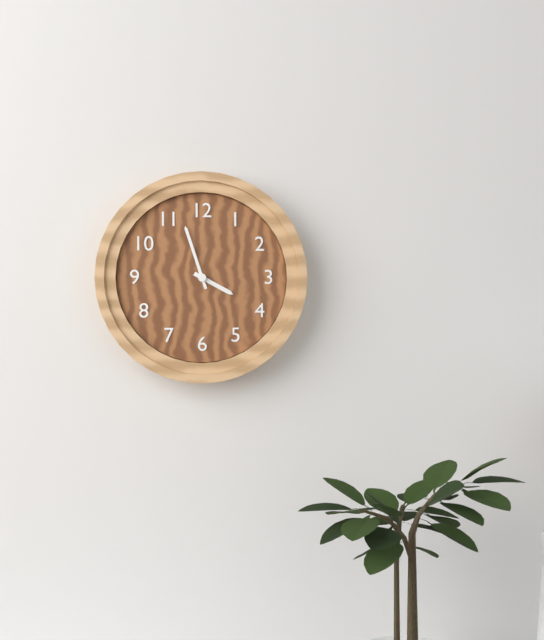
3:57
